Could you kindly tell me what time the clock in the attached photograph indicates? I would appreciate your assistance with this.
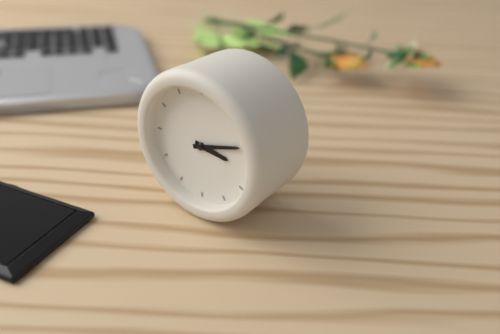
3:12
